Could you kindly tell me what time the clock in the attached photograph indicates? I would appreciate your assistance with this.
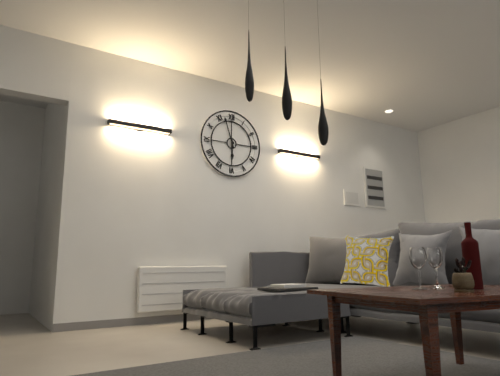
5:57
